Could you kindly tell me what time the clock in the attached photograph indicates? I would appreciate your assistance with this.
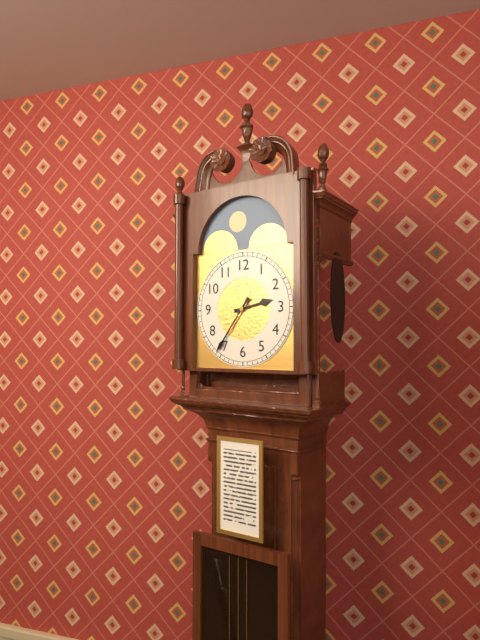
2:36
